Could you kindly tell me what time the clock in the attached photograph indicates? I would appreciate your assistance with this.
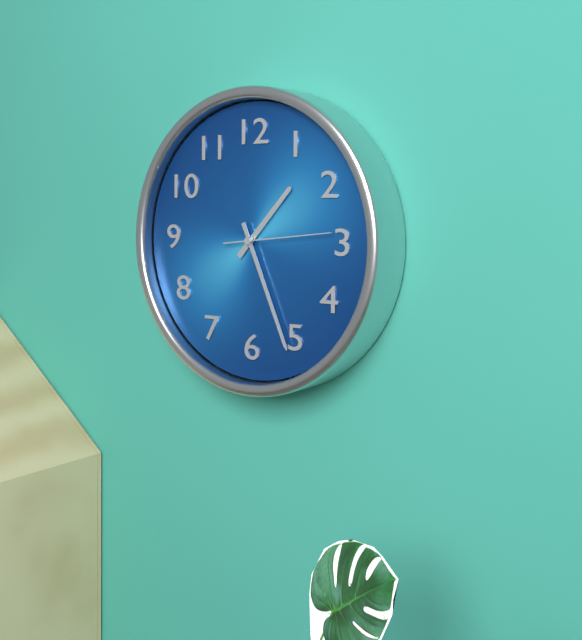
1:26:14
